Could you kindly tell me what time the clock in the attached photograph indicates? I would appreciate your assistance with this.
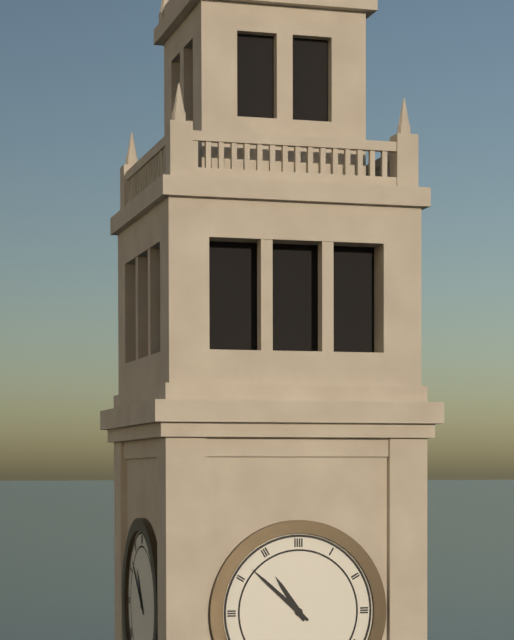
10:52
